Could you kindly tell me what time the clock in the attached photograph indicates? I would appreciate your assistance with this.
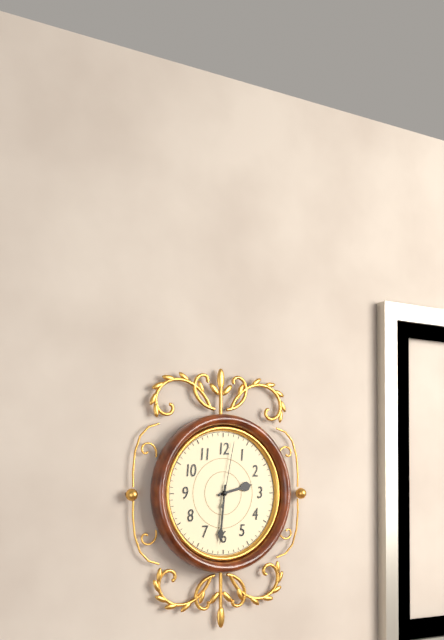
2:31:02
